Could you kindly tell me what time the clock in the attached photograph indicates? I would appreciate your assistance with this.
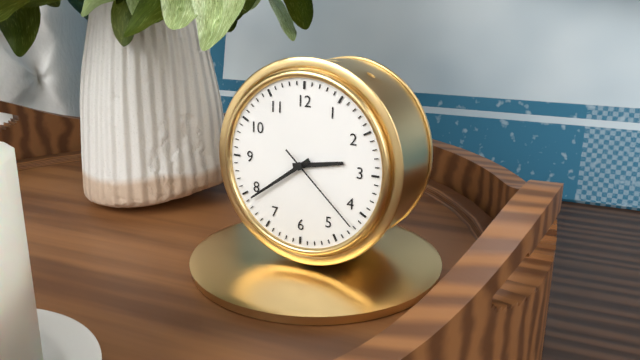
2:39:22
